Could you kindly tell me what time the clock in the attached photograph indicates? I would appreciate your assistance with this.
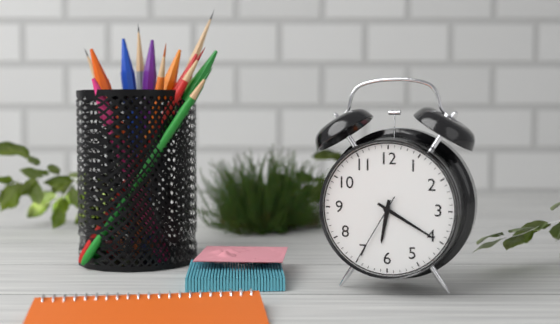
6:20:35
